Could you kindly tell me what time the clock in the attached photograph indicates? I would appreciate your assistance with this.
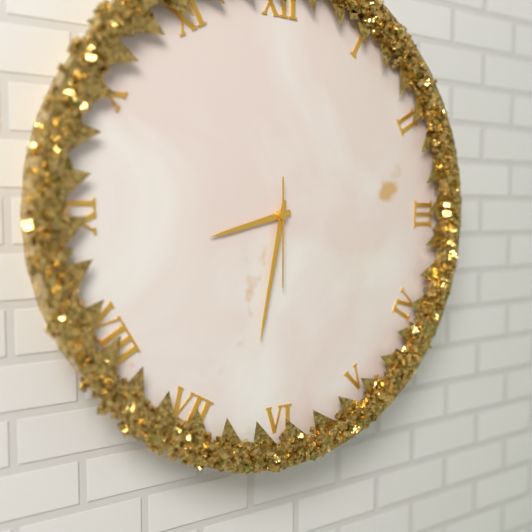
8:32:30
